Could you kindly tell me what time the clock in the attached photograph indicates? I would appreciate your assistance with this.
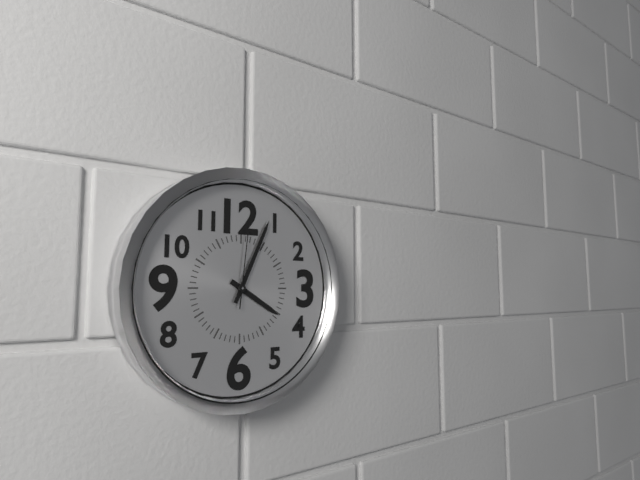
4:04:01
